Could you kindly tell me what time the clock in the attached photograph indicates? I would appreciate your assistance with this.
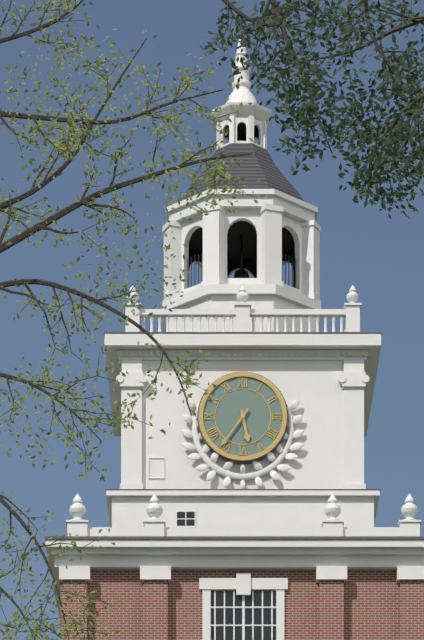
5:36
